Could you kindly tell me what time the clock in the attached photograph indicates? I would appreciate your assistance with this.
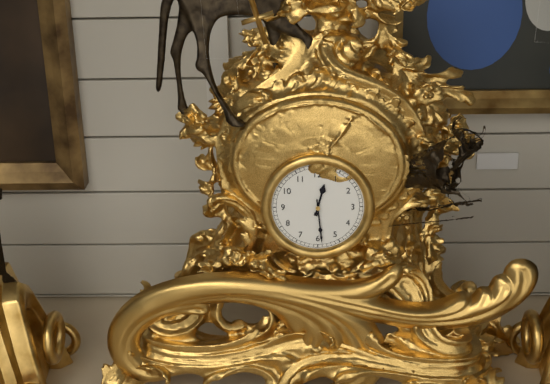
12:29
